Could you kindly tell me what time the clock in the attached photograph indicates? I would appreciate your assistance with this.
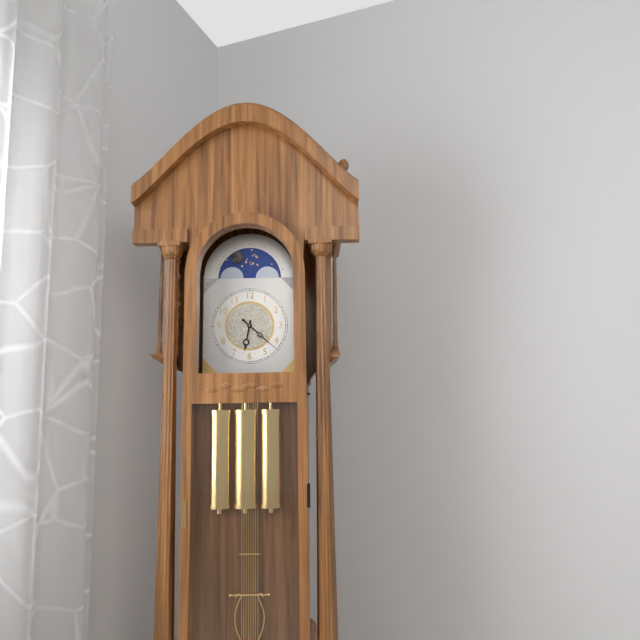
6:22
